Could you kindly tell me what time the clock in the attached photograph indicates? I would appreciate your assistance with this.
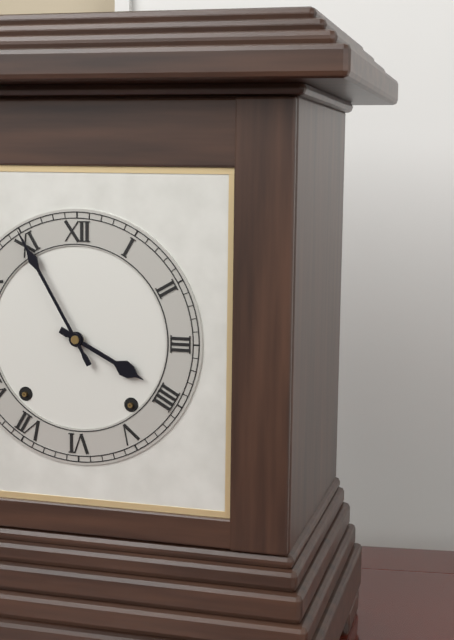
3:55
